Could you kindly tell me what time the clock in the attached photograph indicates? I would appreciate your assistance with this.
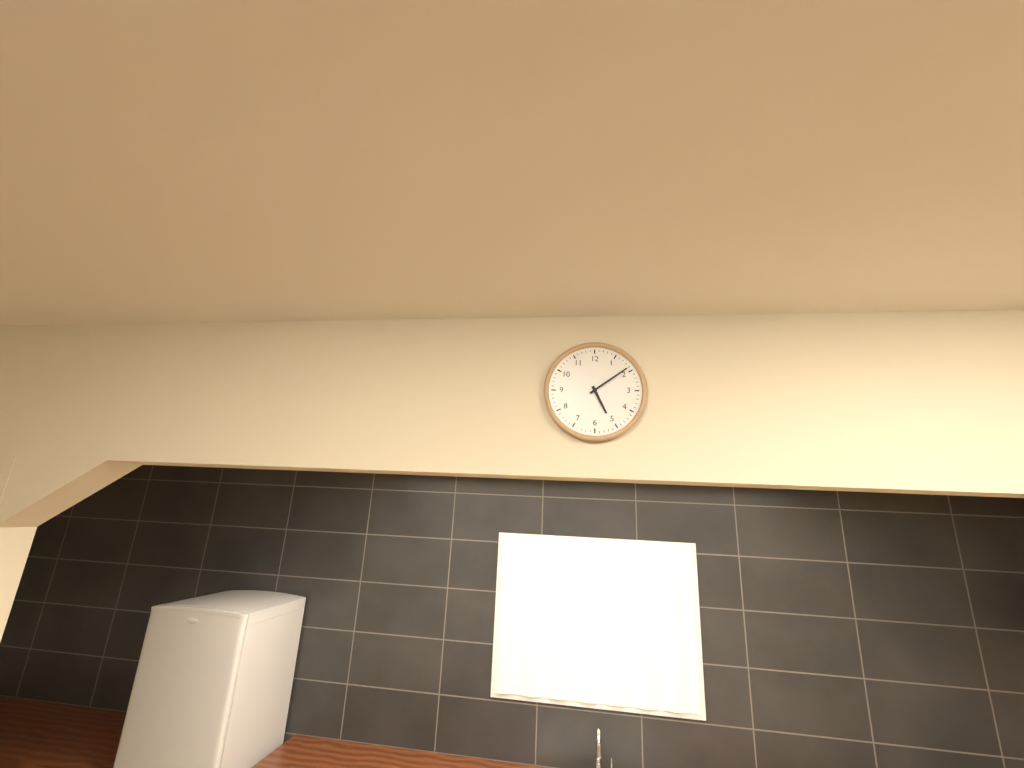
5:09
